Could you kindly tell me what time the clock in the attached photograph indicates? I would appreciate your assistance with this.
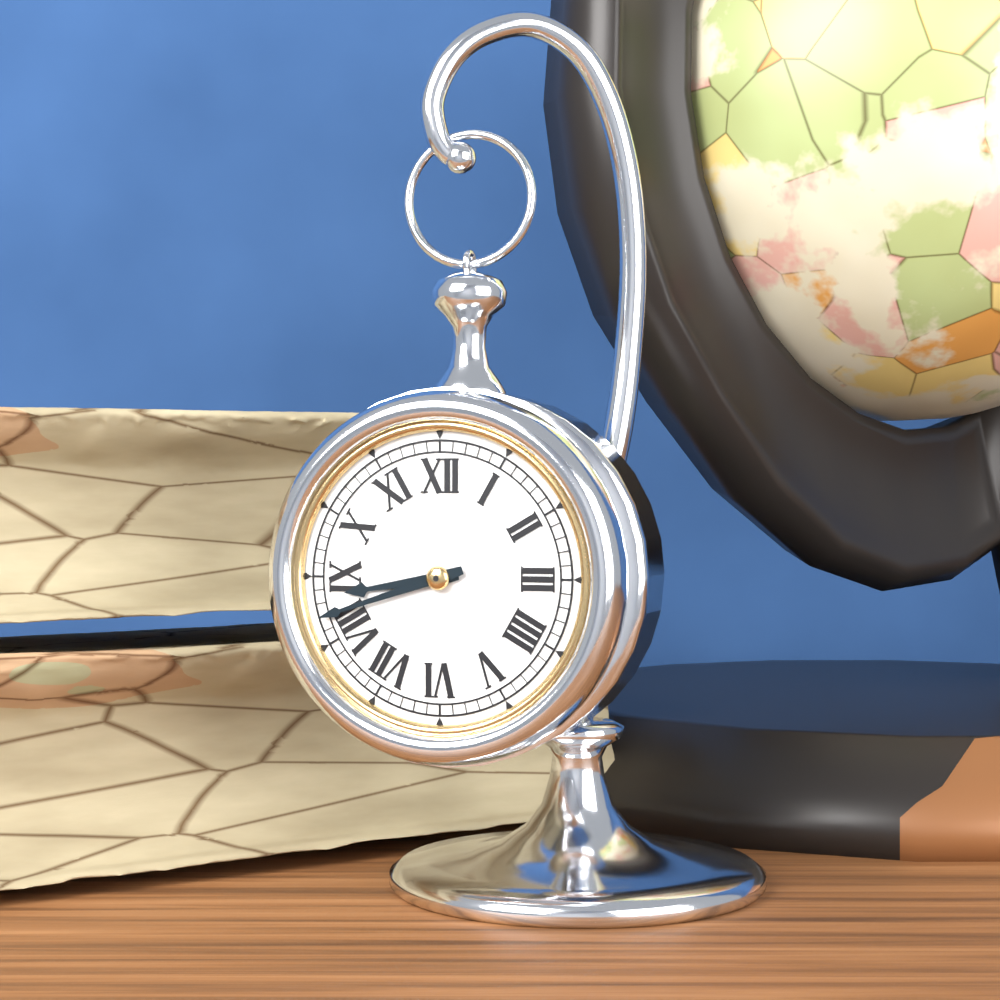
8:42
